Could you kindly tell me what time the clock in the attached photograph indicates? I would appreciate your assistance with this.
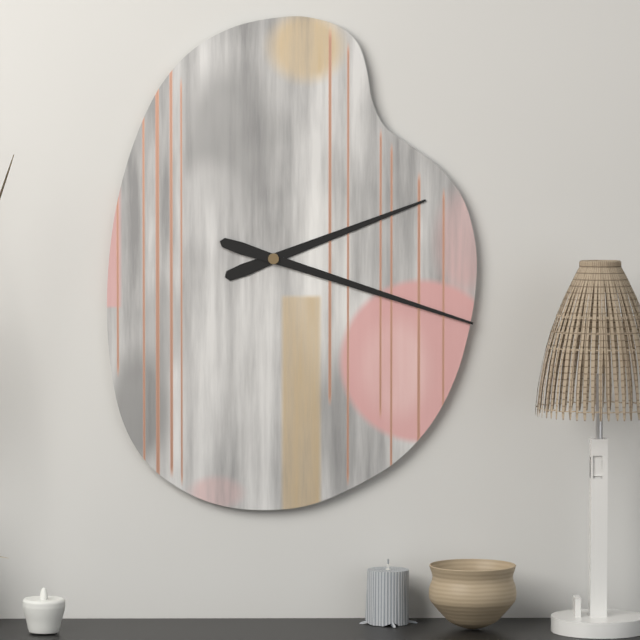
2:18
